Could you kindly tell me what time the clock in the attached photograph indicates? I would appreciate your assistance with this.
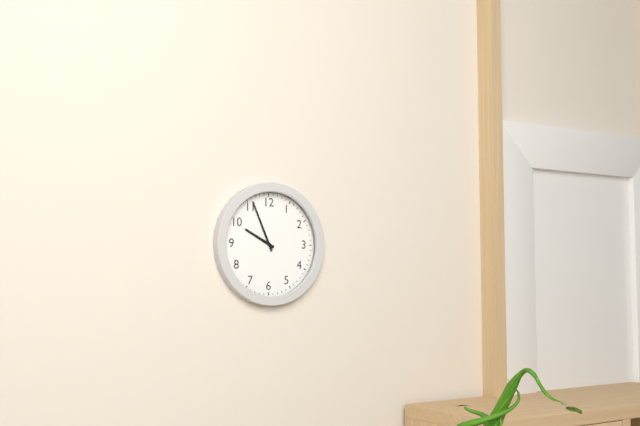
9:56
